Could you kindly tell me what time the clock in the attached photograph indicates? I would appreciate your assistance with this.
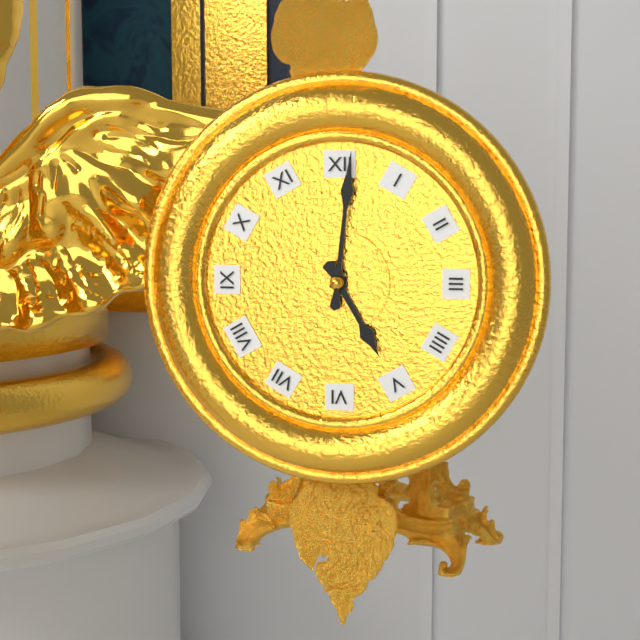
5:01
